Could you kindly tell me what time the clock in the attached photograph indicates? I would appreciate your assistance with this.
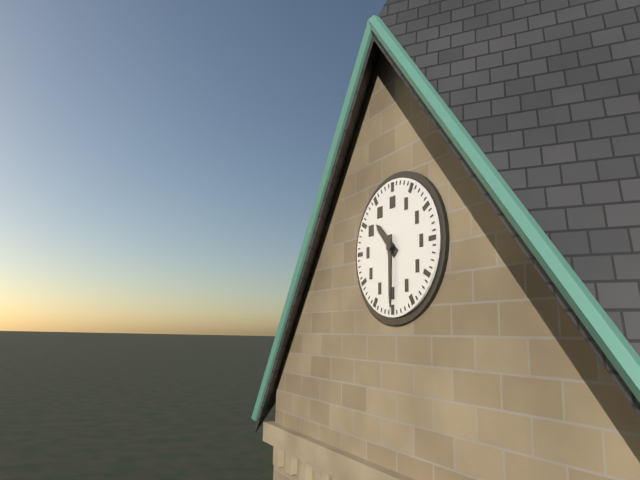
10:30
